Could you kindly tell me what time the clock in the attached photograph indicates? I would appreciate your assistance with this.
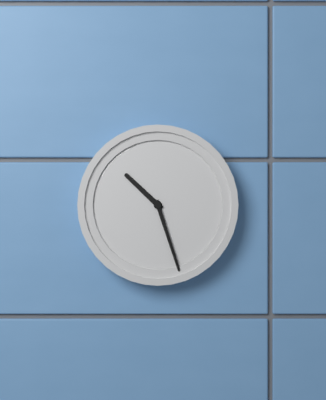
10:27
